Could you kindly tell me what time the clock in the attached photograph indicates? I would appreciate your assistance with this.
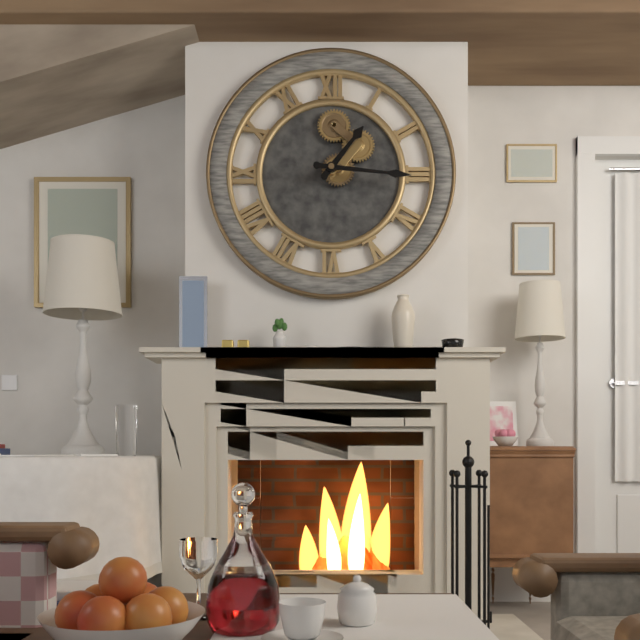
1:16
